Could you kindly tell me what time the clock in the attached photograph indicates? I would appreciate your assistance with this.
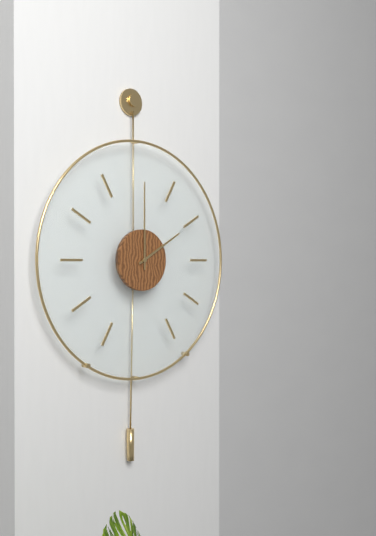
2:00
